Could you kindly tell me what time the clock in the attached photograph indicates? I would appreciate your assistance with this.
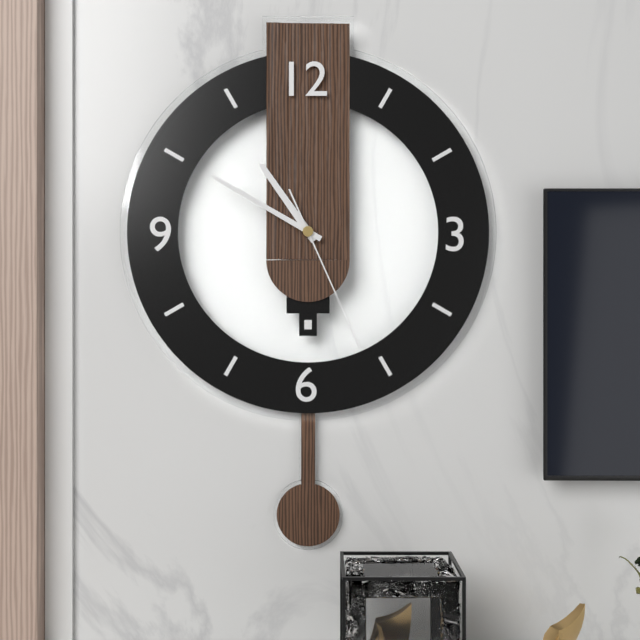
10:50:26
